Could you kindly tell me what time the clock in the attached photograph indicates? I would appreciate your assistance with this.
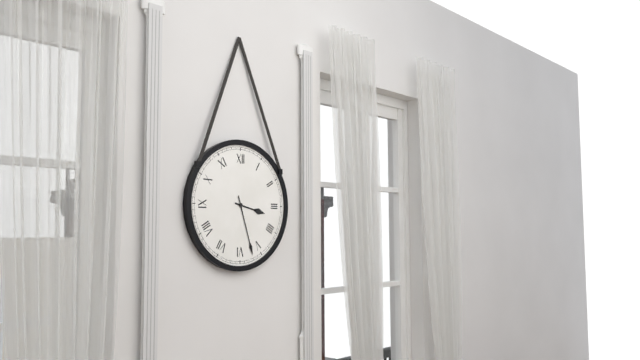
3:27
